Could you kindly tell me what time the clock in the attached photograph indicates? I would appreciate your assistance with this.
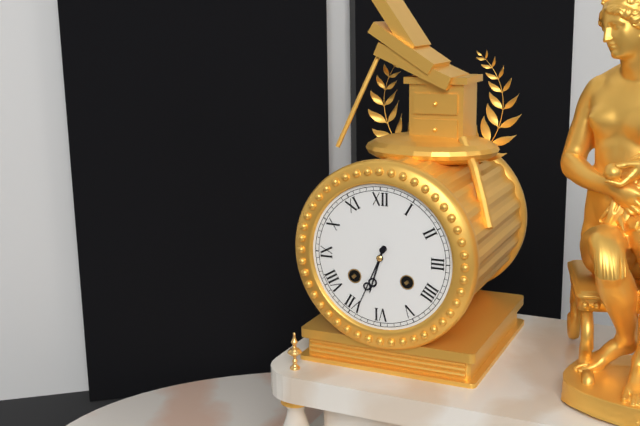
6:34
